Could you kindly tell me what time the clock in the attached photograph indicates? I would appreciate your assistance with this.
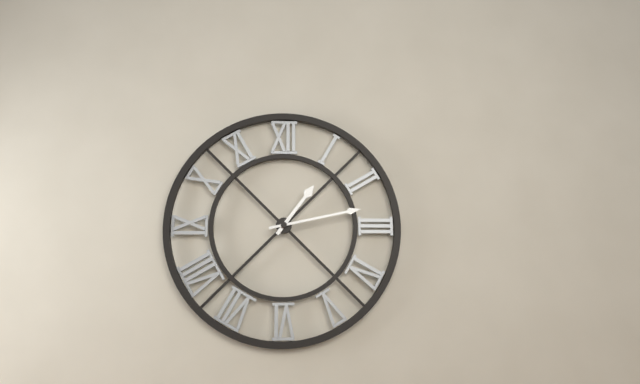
1:13
